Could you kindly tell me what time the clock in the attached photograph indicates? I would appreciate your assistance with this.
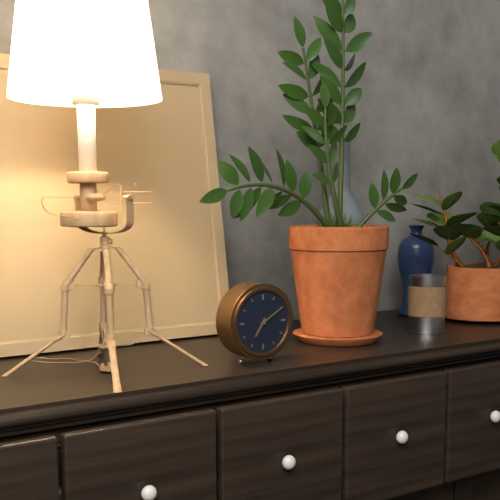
7:10
